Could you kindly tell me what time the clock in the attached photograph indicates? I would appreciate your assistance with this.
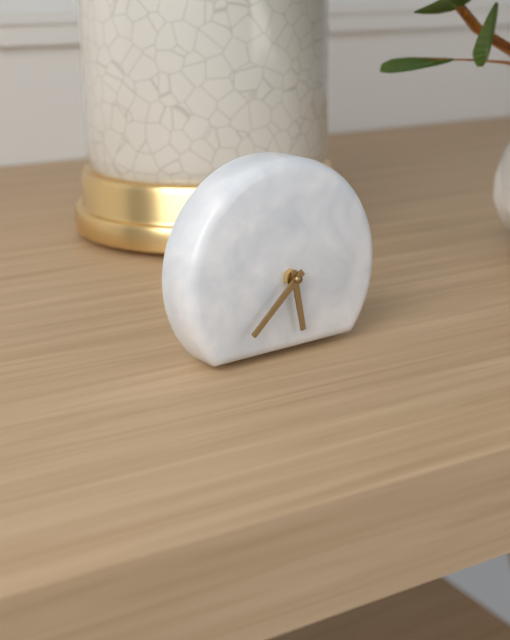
5:38
